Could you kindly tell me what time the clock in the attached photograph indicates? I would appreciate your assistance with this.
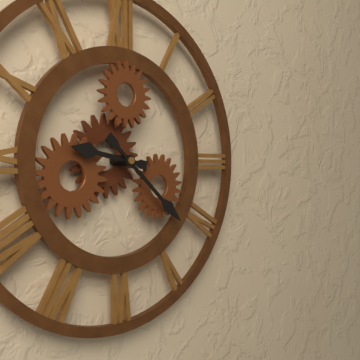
9:22
